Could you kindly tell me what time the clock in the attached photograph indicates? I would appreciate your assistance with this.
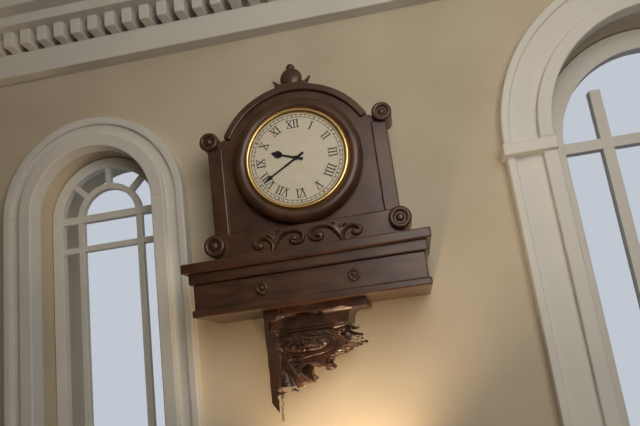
9:40
